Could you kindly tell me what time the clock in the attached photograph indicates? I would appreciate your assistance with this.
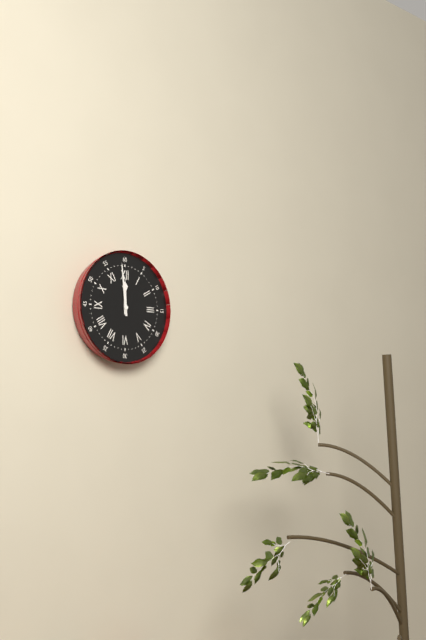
11:59
